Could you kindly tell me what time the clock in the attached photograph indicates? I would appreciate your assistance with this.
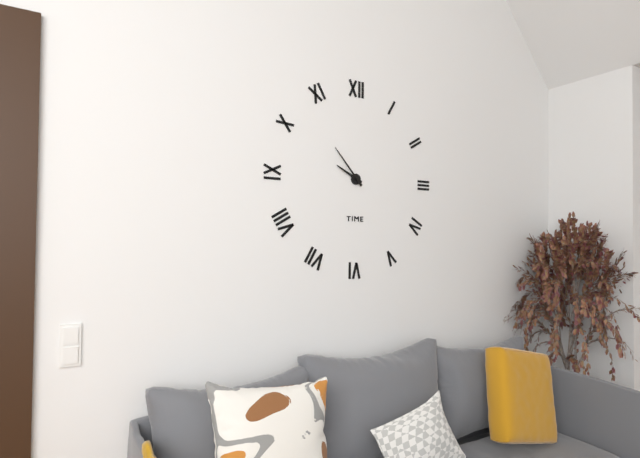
9:53
